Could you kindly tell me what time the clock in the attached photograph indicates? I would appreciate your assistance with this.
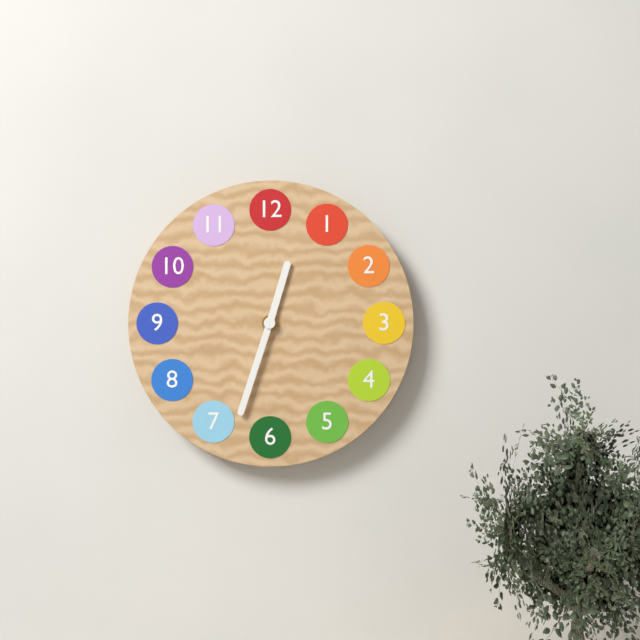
12:33
